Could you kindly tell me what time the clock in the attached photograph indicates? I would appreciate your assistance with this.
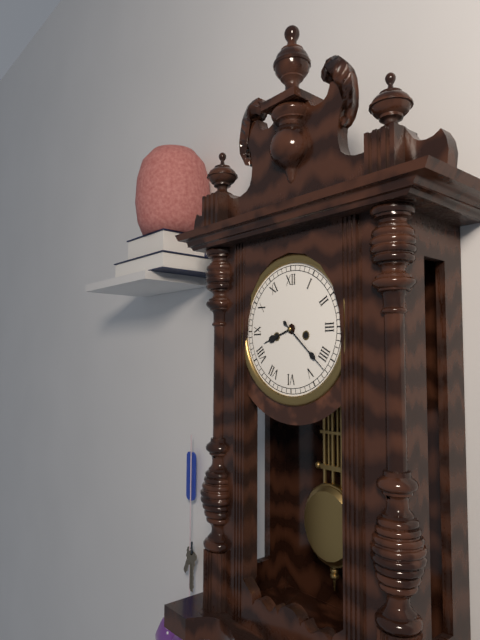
8:22
